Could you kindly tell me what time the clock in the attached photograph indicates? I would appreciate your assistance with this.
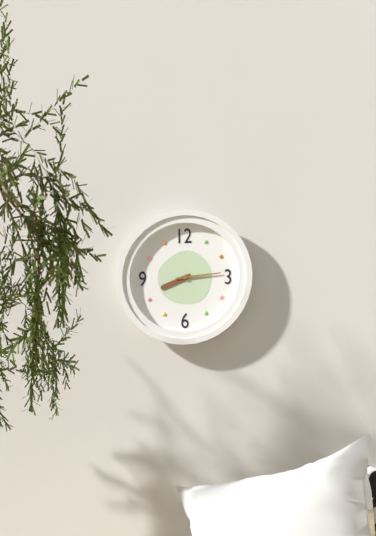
8:14
